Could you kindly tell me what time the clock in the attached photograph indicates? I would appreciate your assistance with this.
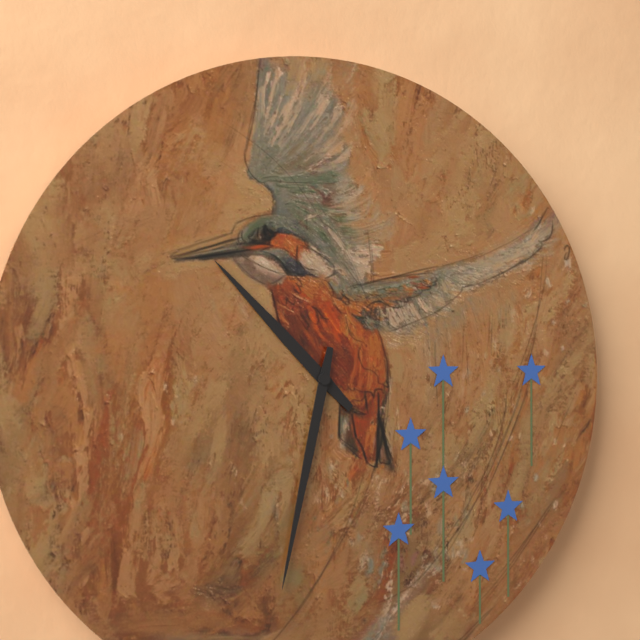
10:32
